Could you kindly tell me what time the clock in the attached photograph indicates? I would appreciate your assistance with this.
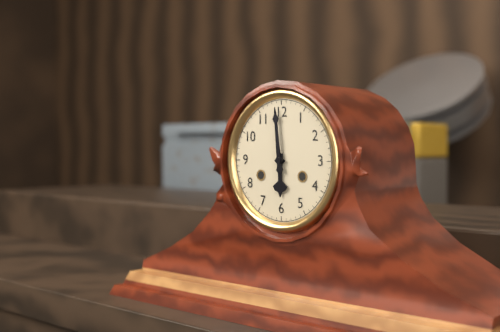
5:59
